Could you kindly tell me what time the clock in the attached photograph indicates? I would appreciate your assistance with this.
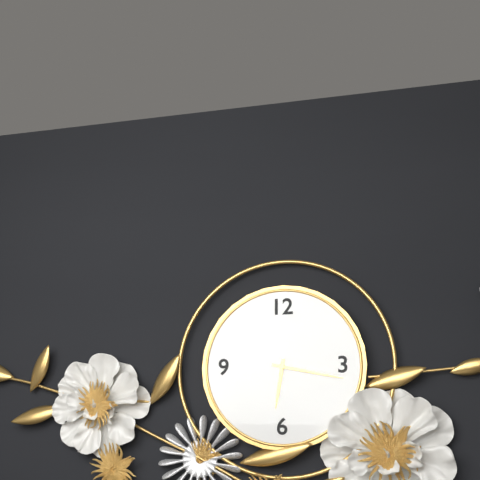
6:17
